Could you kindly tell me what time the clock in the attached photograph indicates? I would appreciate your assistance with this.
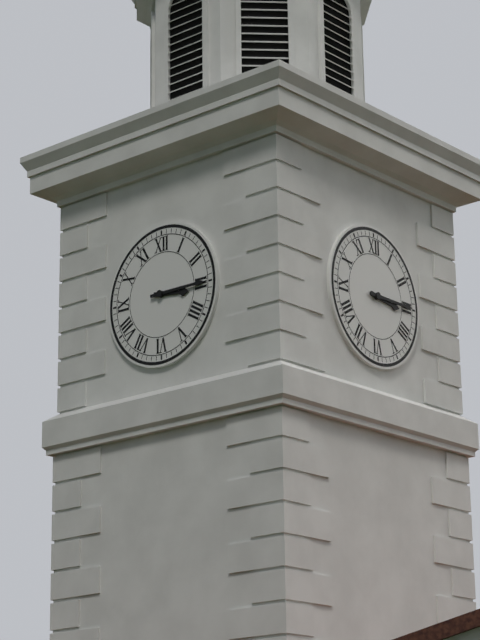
3:15
